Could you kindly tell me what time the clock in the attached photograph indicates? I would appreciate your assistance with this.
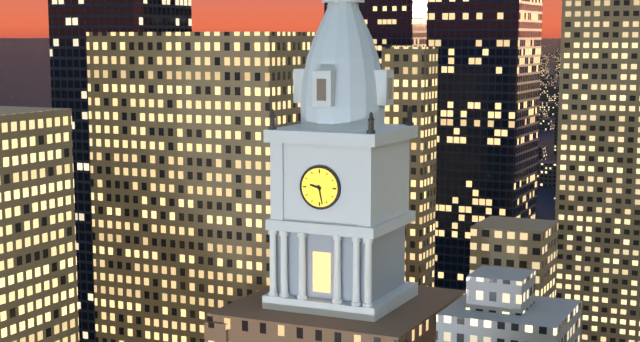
9:28
